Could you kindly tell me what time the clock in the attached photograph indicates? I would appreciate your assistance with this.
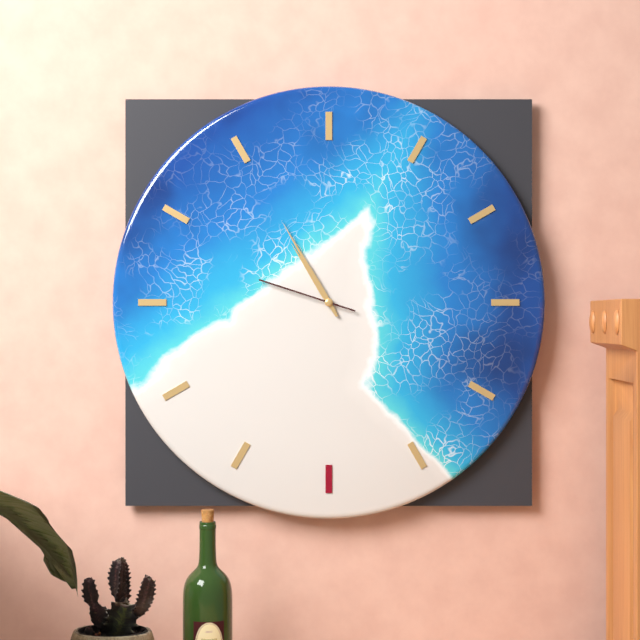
10:55:48
